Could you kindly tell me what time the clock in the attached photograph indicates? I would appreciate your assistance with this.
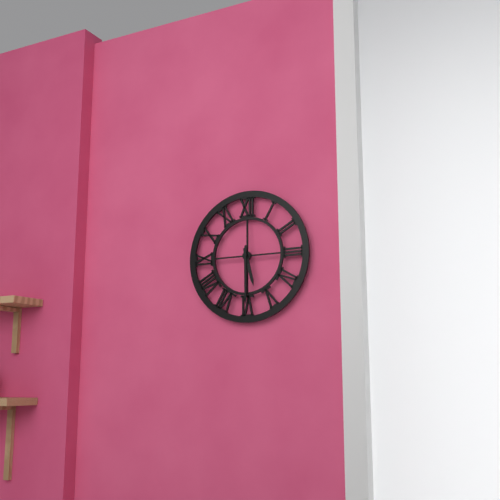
5:30
